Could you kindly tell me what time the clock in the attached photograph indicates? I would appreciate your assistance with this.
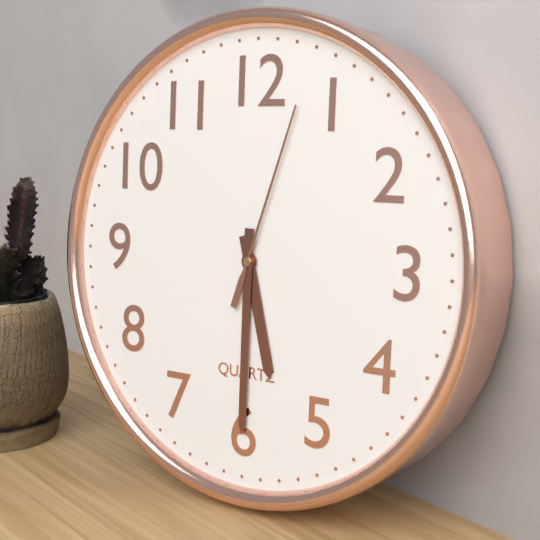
5:30:03
